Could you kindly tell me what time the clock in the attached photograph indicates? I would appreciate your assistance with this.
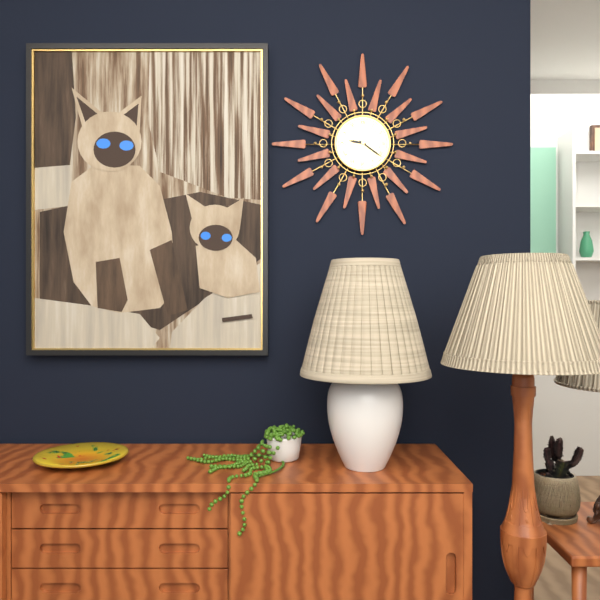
9:21
